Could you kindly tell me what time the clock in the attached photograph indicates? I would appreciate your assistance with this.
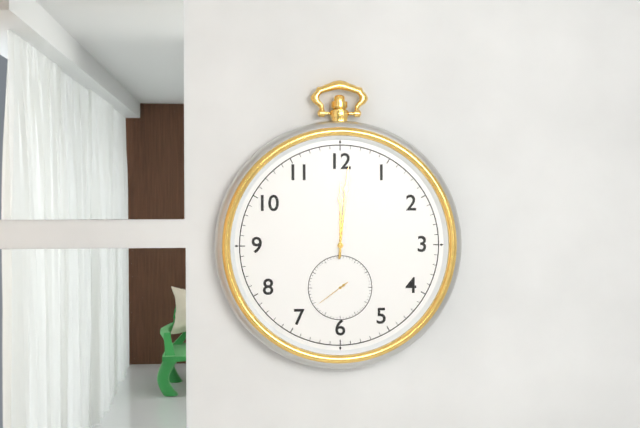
12:01
